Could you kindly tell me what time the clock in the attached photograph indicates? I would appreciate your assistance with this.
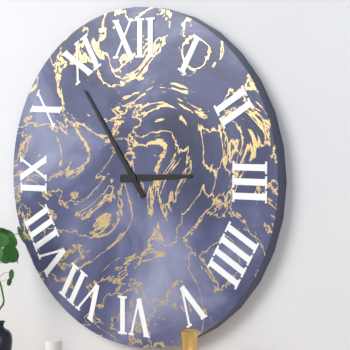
2:54
